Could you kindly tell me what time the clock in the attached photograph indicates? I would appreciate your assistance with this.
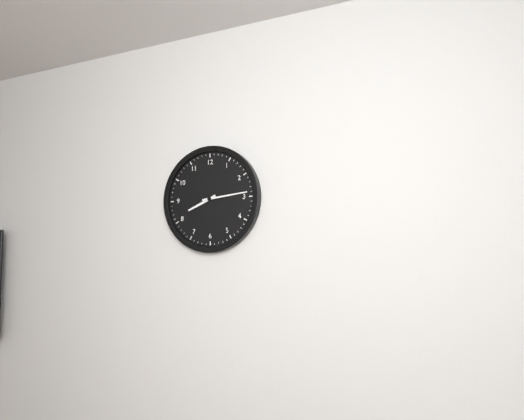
8:14
